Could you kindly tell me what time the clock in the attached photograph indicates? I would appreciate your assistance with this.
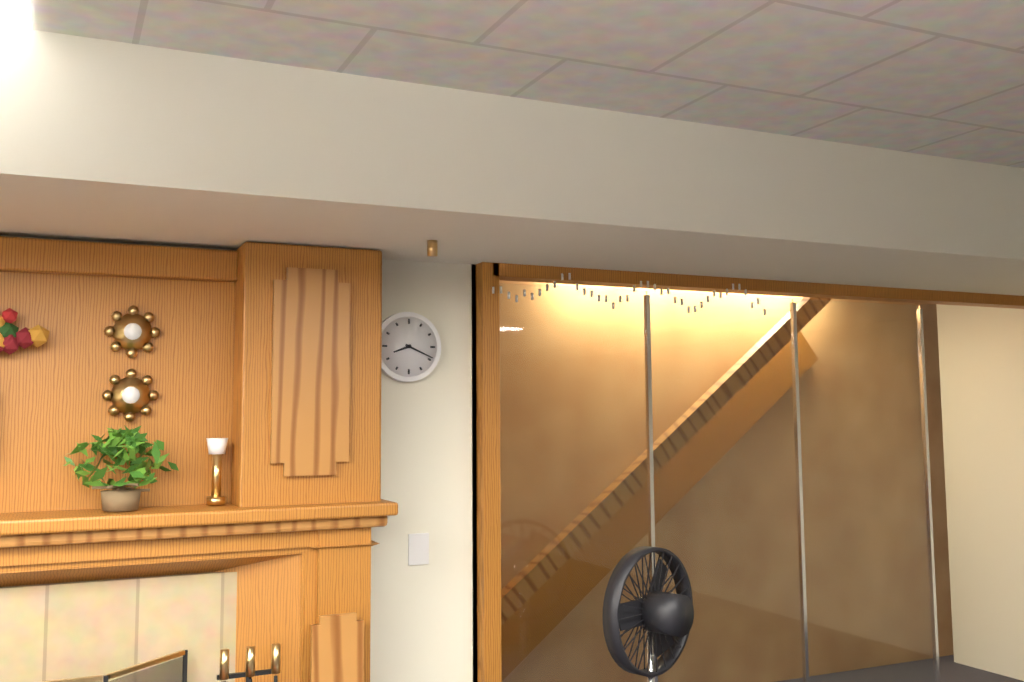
8:19
